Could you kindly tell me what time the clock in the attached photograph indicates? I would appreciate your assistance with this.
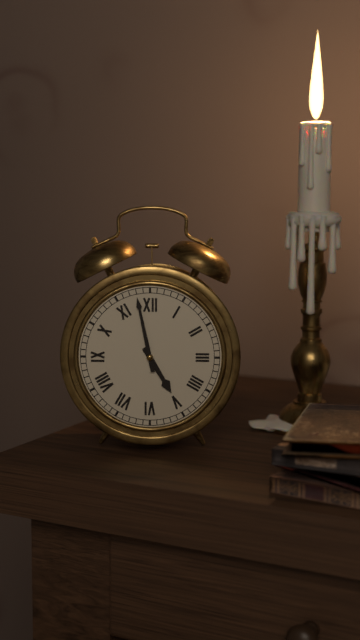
4:58
